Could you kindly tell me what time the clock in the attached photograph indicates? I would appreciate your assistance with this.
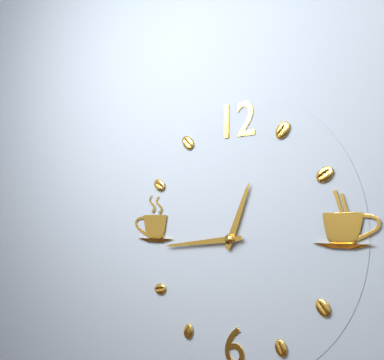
12:44
